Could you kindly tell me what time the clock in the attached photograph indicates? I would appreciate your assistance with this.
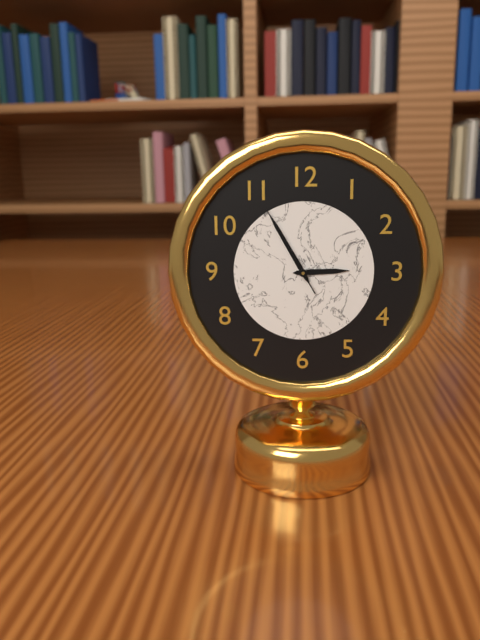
2:55:55
